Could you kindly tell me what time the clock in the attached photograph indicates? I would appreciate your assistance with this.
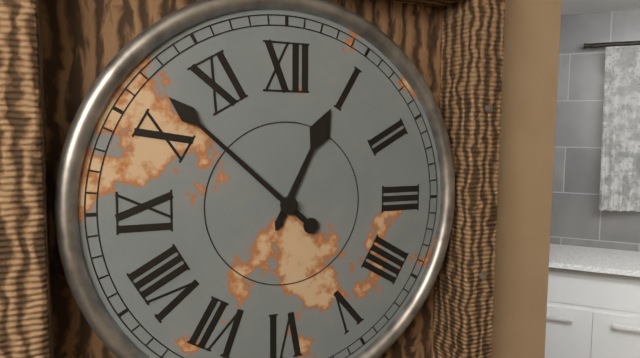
12:52
